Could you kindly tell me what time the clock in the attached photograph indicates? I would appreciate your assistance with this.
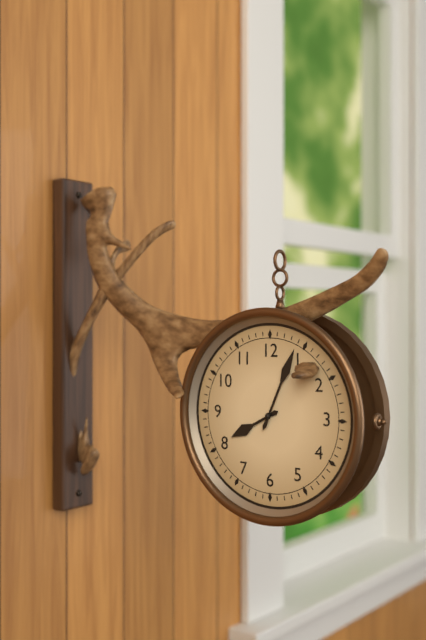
8:04
